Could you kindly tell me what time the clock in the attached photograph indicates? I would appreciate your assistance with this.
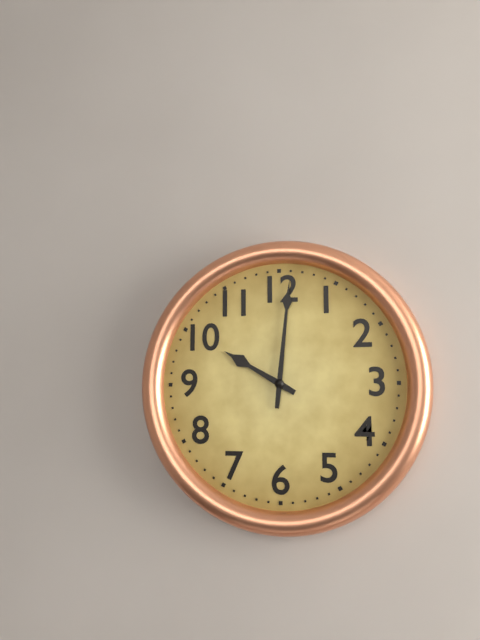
10:01
